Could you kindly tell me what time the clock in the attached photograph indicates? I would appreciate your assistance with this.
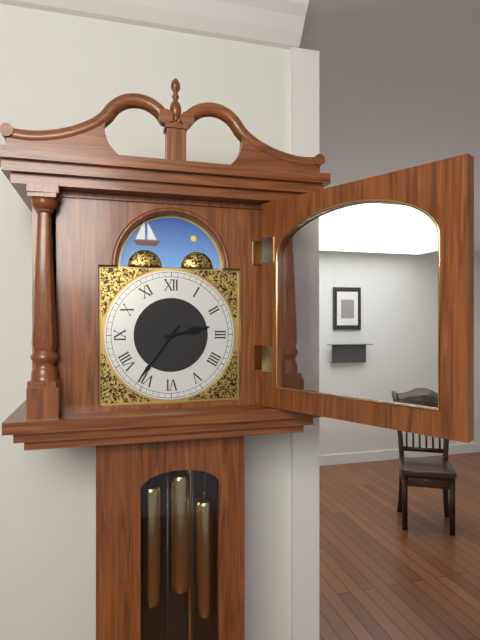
2:36
